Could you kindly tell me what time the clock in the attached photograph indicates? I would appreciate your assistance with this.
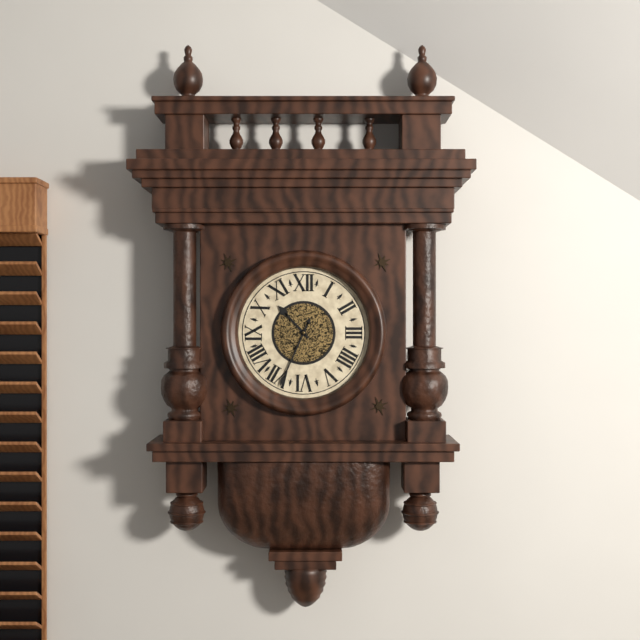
10:34
